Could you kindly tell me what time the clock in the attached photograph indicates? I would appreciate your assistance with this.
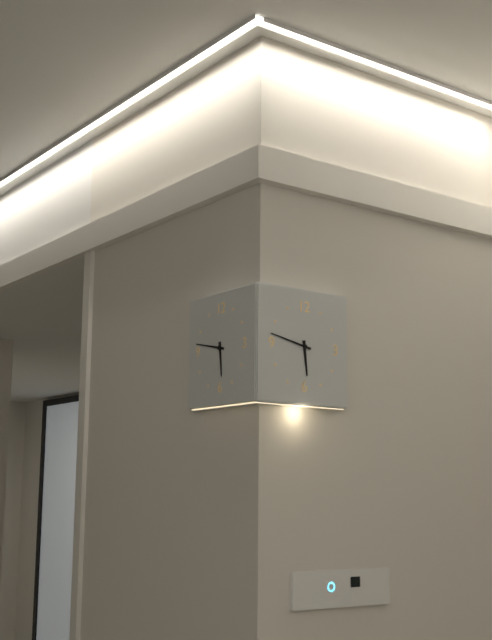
5:47
